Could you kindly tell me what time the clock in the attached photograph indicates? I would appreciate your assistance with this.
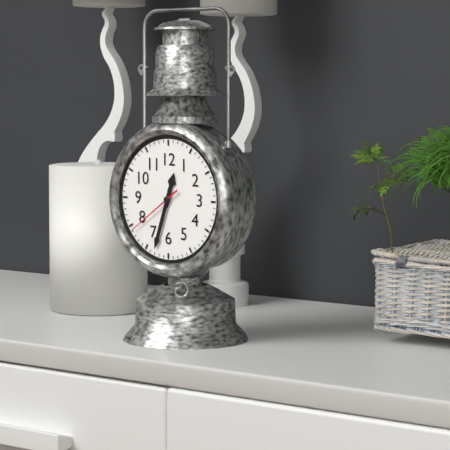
12:33:39
